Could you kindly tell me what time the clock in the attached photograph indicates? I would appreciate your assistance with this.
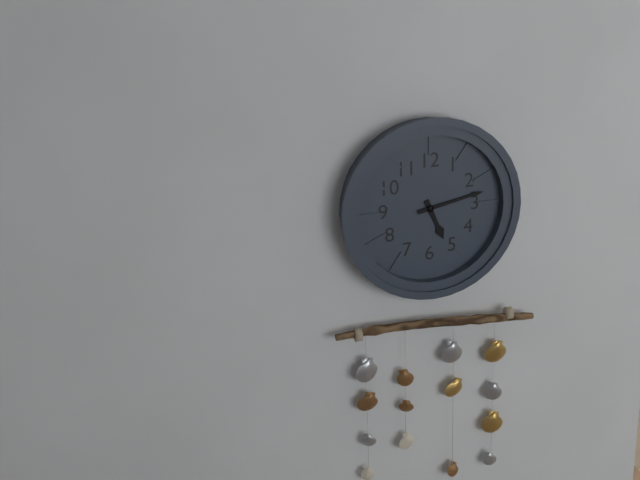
5:13
